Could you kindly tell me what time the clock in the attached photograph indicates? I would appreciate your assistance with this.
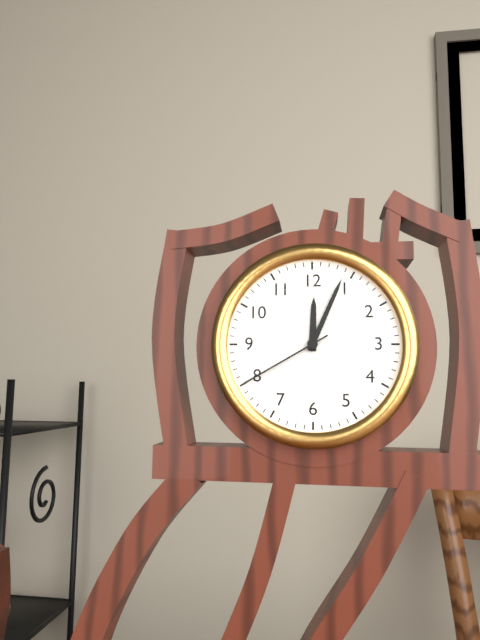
12:04:40
